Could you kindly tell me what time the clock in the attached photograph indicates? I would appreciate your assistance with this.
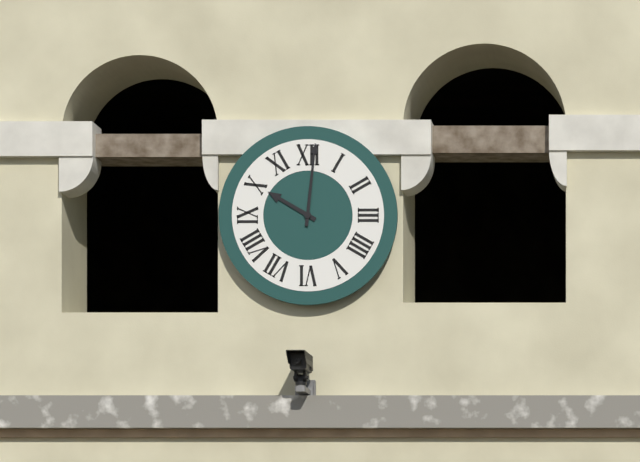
10:01
